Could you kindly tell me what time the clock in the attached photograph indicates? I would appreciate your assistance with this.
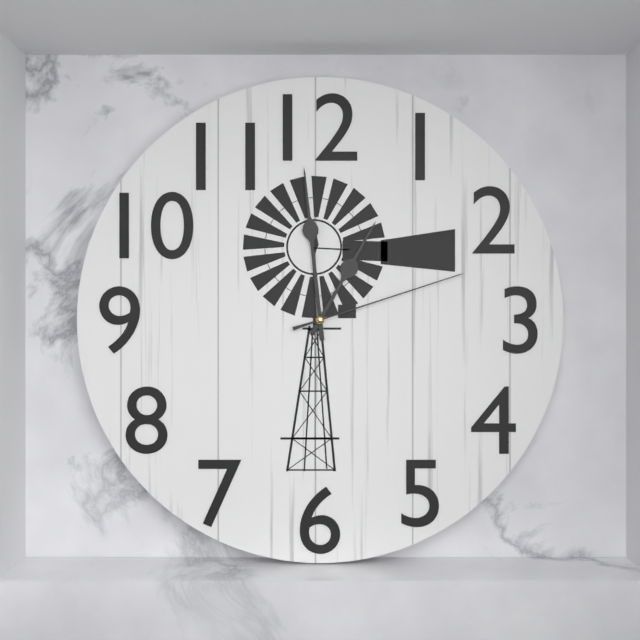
12:59:12
